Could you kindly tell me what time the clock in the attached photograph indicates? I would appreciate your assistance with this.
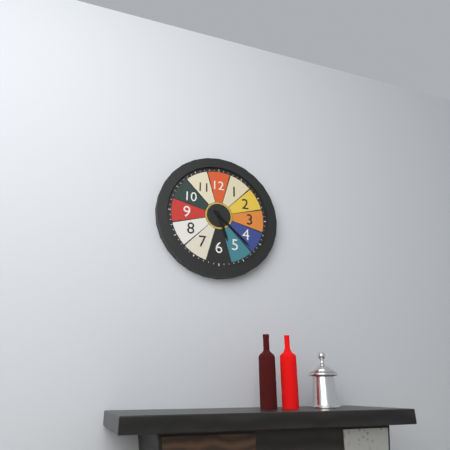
5:22
